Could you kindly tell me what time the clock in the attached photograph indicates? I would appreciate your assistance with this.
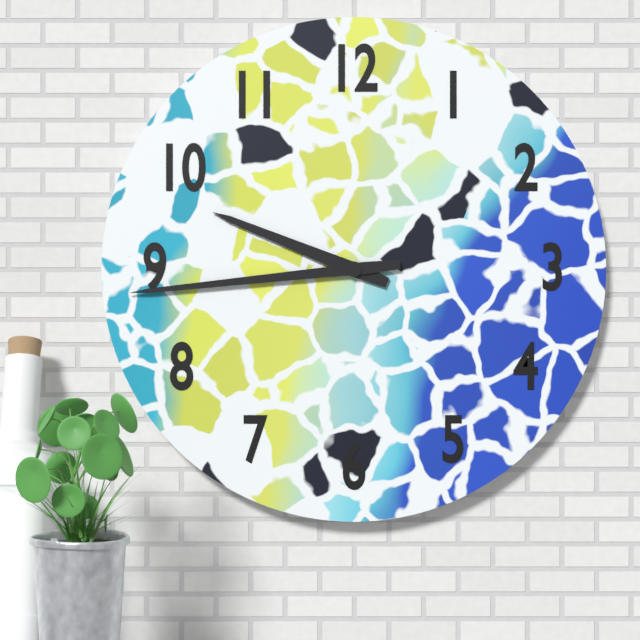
9:44
